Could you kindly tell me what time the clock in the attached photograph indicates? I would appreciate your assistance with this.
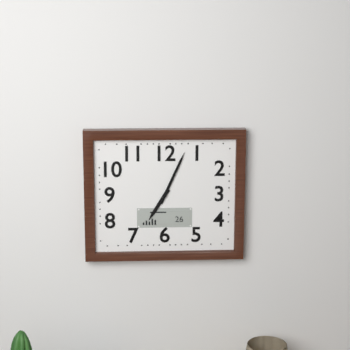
7:04
